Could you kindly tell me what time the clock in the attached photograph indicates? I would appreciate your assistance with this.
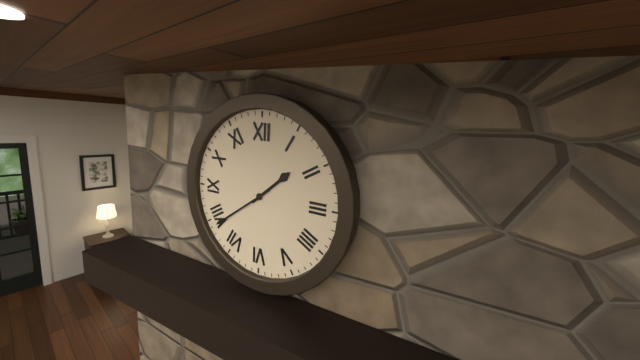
1:39
